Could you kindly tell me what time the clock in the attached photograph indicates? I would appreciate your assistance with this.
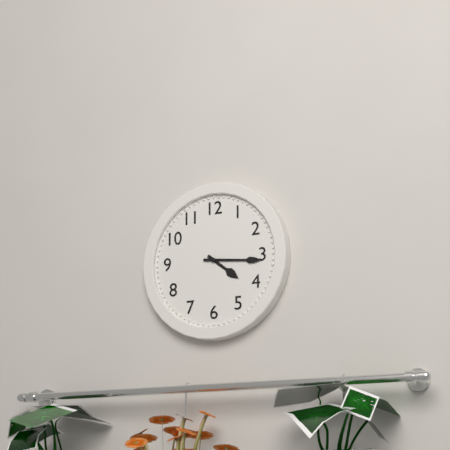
4:16
